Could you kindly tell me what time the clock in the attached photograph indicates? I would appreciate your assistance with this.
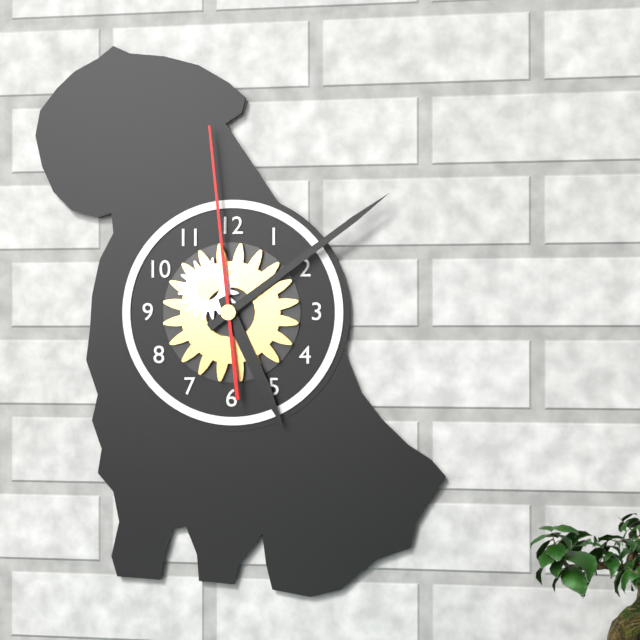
5:09:59
